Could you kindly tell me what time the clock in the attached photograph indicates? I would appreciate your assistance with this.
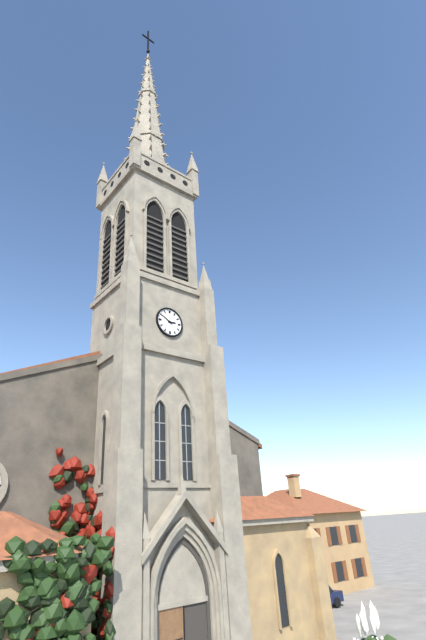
2:50
